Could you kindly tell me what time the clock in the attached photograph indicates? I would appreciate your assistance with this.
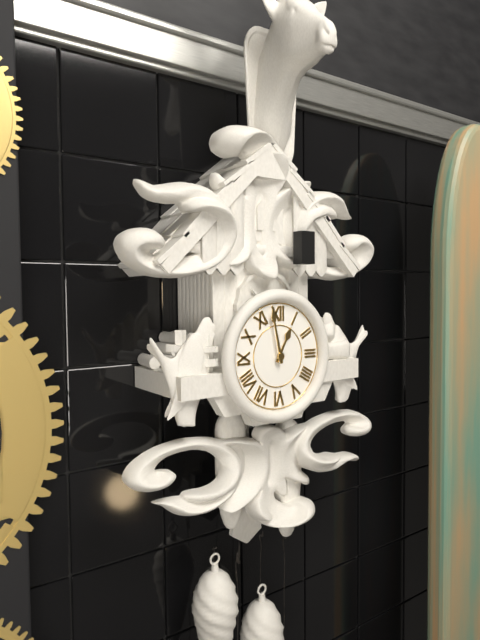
12:58
